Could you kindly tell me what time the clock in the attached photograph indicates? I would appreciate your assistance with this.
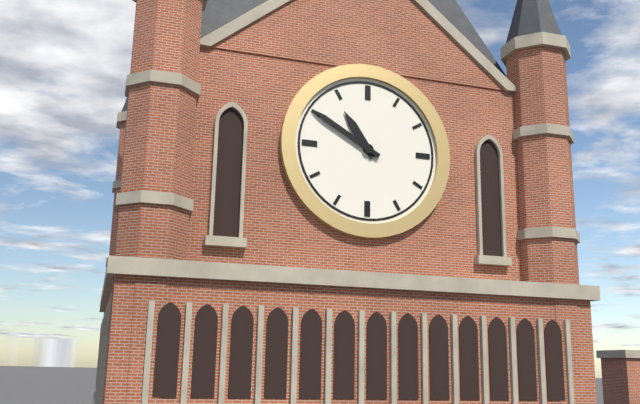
10:50
